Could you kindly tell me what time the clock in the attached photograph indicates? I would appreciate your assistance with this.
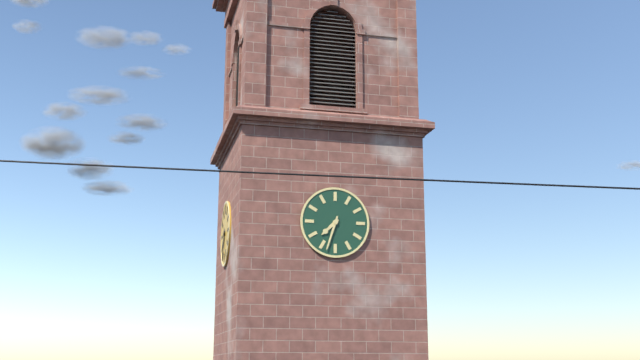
7:33
